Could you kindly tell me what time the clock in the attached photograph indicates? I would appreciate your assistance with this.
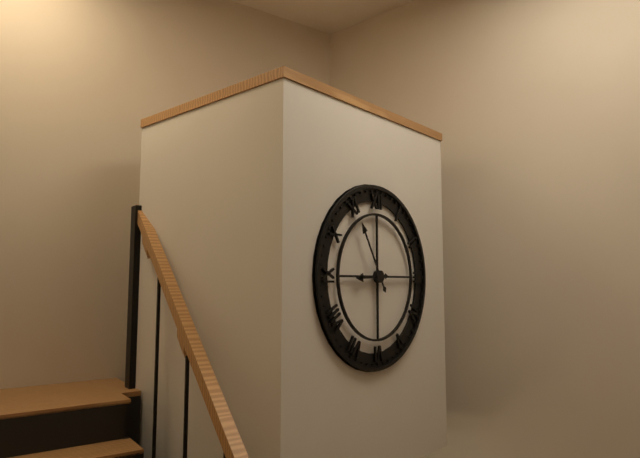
8:55
